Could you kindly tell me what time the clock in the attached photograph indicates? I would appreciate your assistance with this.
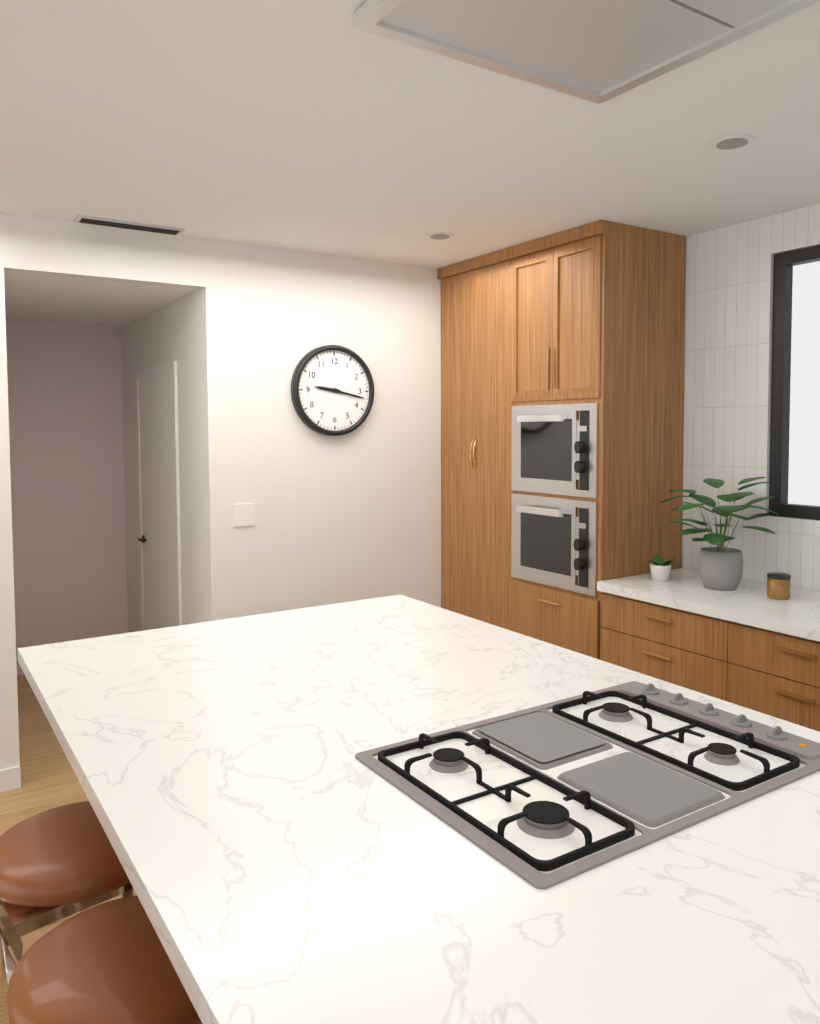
9:17
